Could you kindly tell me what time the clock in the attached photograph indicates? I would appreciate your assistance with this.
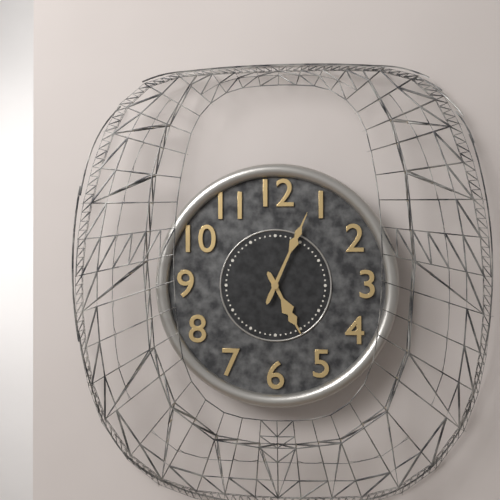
5:04
